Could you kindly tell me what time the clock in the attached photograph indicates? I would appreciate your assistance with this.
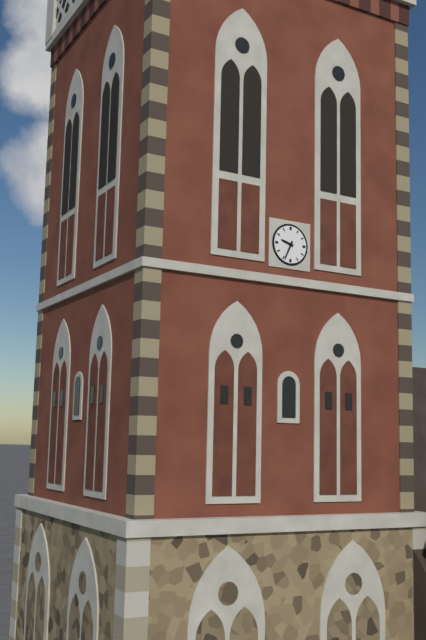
9:34
